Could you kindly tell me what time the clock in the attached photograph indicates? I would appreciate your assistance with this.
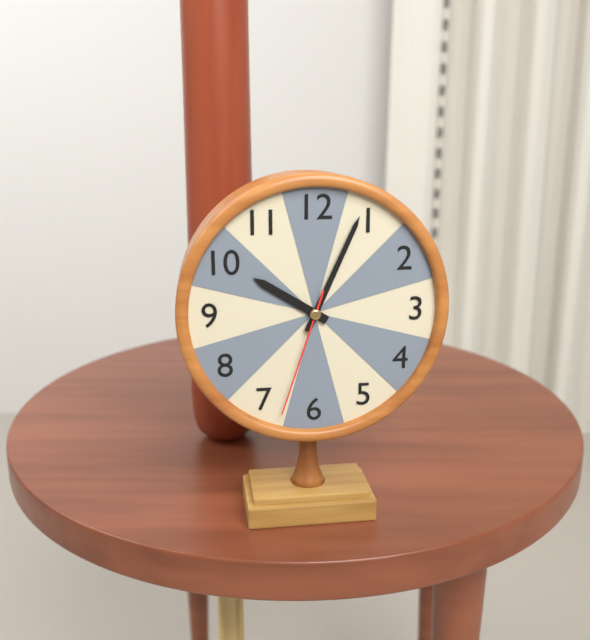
10:04:33
